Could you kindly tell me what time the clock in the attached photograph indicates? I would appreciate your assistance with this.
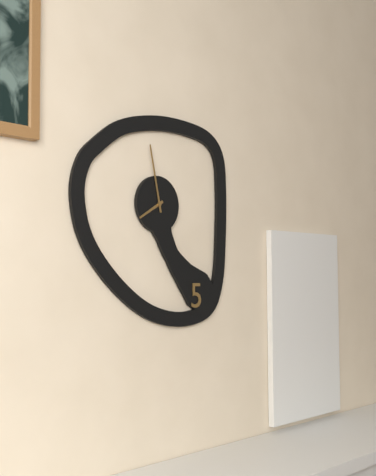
7:58
